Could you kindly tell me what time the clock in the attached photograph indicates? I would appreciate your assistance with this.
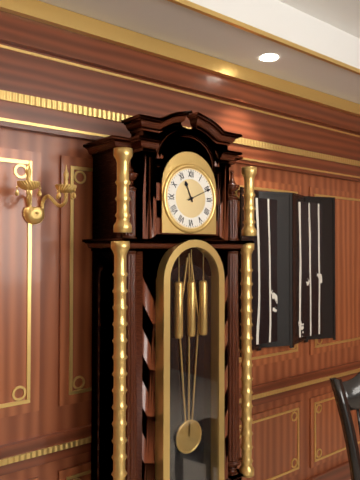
11:11
